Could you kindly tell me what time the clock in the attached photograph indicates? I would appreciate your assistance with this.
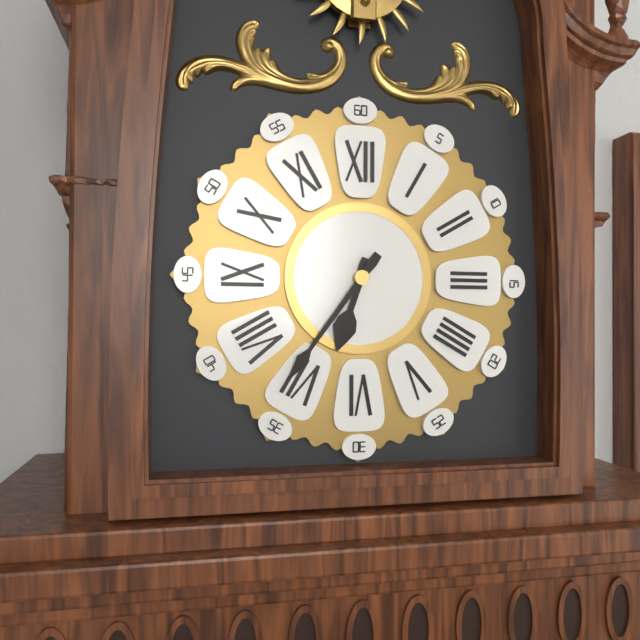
6:36
